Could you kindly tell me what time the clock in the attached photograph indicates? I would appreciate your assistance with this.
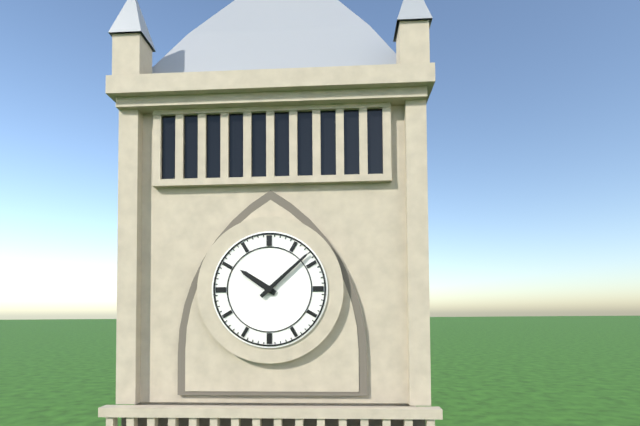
10:08
